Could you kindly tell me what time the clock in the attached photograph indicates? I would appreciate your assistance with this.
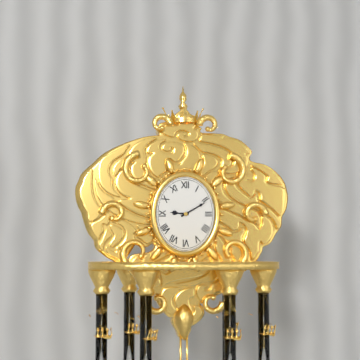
9:10
